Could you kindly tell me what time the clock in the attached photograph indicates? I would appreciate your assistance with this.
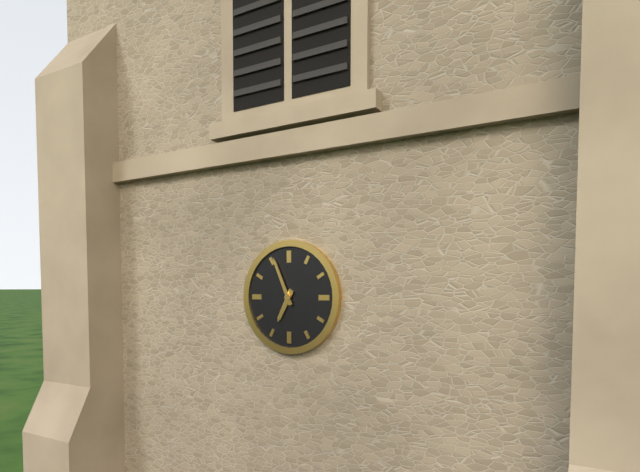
6:56
